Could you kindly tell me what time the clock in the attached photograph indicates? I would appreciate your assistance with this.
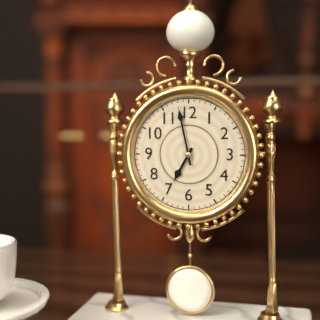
6:58
